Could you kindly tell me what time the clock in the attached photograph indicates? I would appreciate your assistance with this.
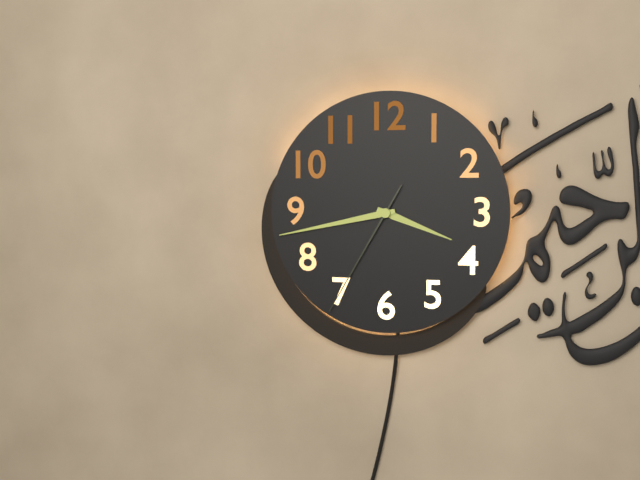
3:43:35
